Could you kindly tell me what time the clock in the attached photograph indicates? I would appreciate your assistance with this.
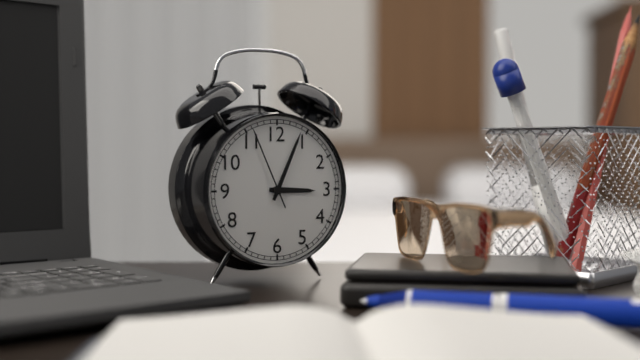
3:04:56
